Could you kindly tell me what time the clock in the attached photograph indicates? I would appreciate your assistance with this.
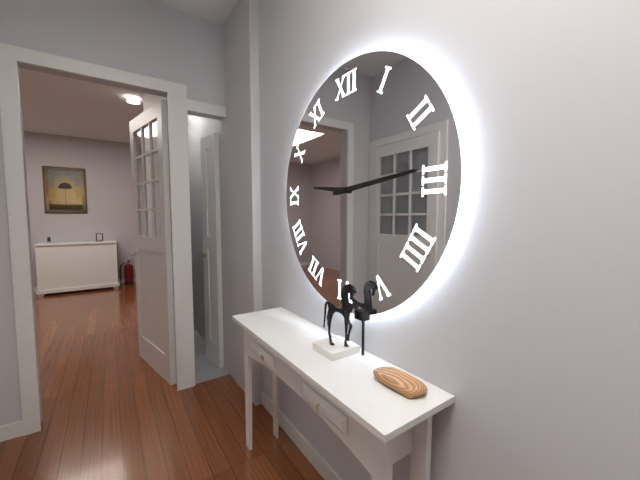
9:14
